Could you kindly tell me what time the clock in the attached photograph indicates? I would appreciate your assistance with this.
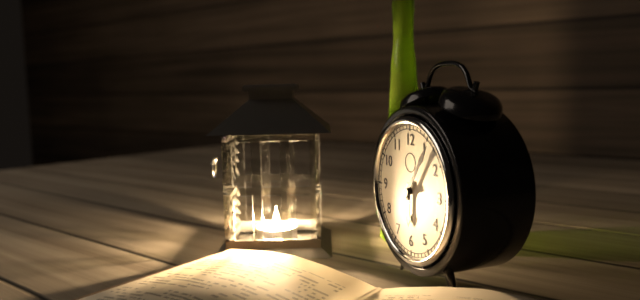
6:06
